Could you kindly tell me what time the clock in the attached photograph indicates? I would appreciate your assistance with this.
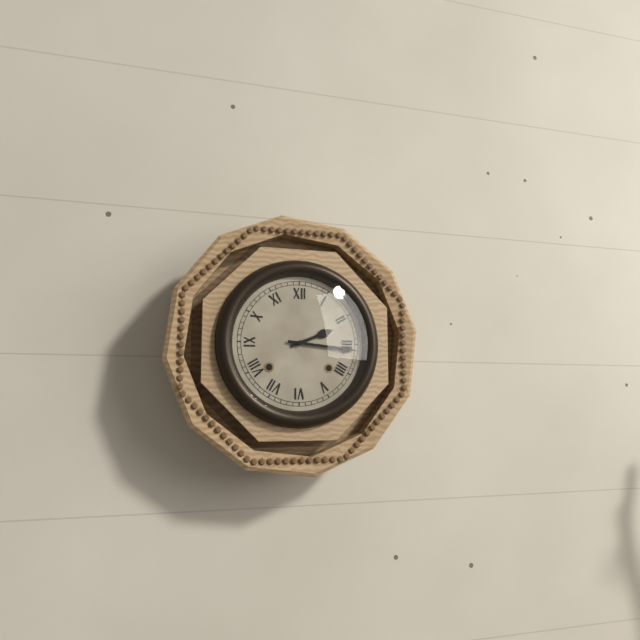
2:16
